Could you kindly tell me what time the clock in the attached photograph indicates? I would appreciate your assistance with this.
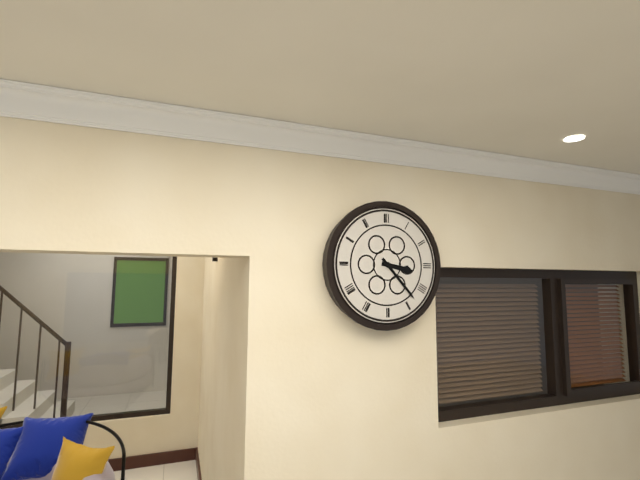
3:23
